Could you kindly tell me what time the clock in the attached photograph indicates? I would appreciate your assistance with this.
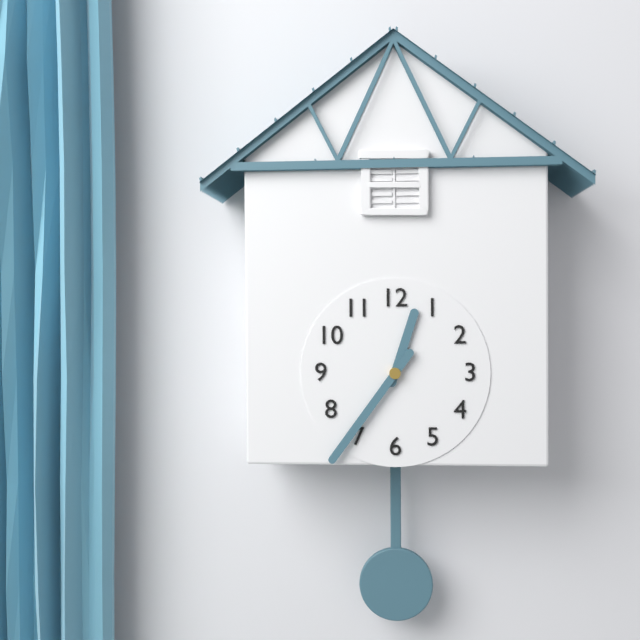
12:36
